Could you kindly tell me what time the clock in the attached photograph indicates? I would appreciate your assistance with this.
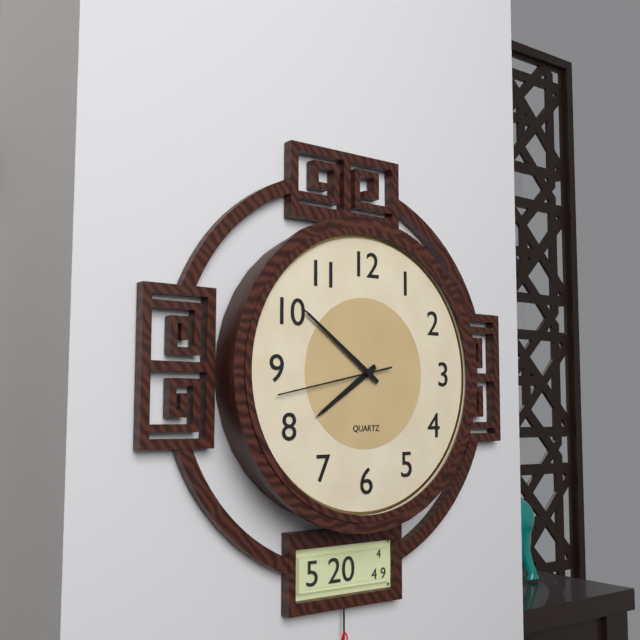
7:51:43
